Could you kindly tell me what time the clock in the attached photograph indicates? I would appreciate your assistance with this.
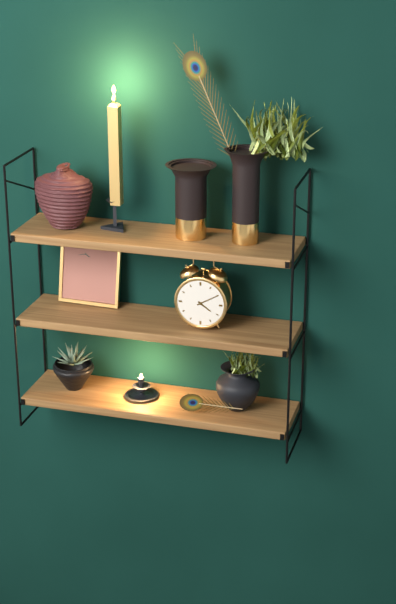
4:10
